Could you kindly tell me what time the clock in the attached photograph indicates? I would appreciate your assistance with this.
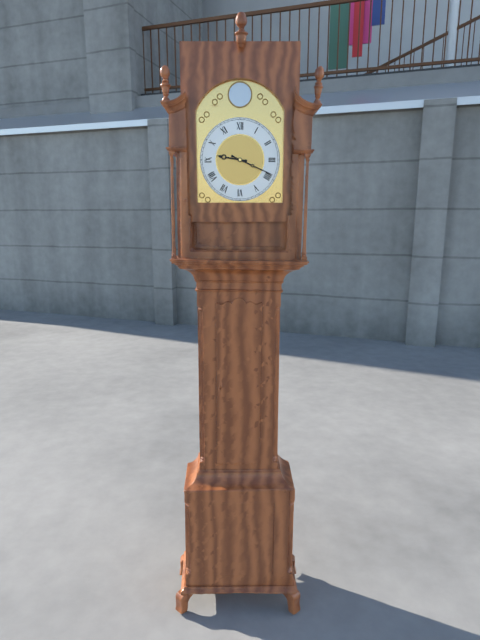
9:19
